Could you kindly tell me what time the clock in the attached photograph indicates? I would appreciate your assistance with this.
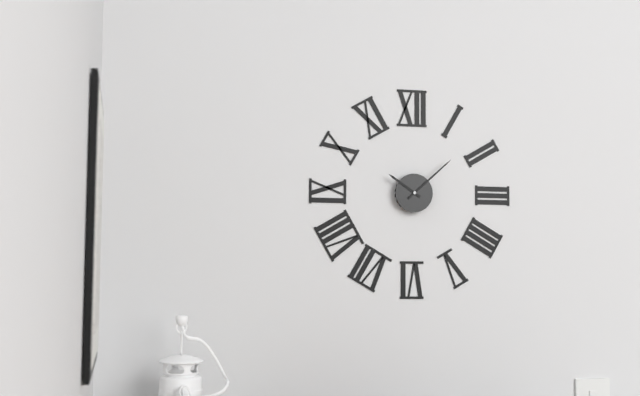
10:08
